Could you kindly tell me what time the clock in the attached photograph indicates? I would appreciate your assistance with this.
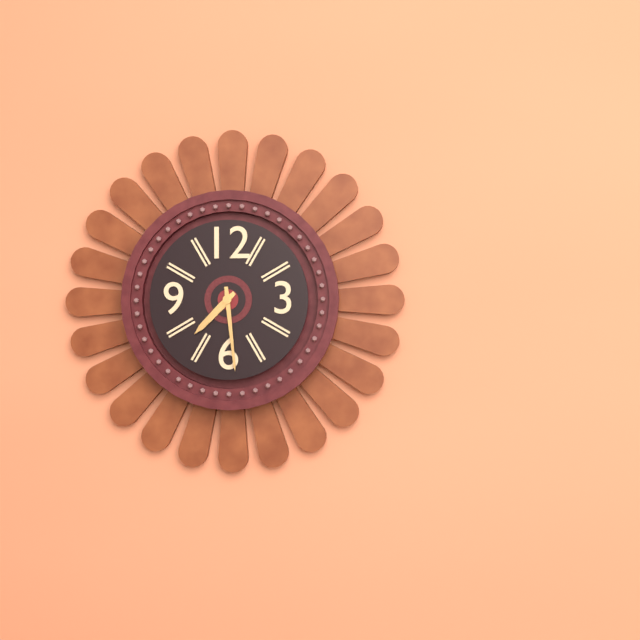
7:29
